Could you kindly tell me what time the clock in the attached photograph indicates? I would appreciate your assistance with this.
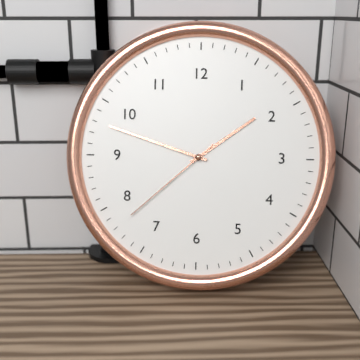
1:48:38
